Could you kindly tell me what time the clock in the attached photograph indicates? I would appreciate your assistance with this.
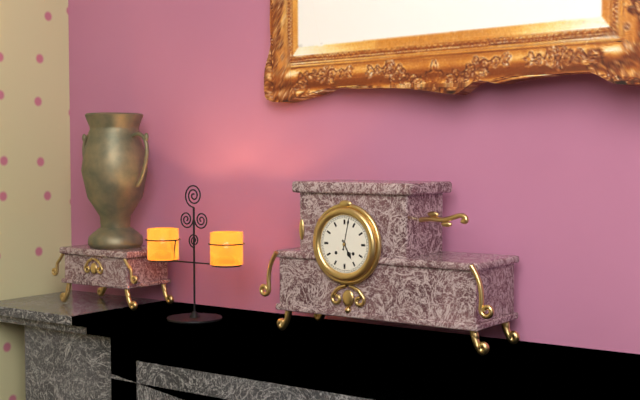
5:02
